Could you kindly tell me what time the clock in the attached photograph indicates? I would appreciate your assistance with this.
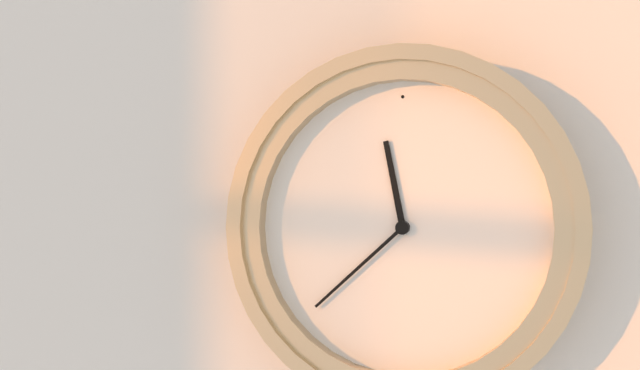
11:38
